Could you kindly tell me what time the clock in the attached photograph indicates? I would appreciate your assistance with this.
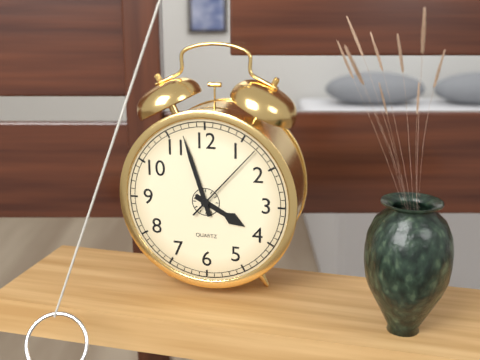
3:57:07
